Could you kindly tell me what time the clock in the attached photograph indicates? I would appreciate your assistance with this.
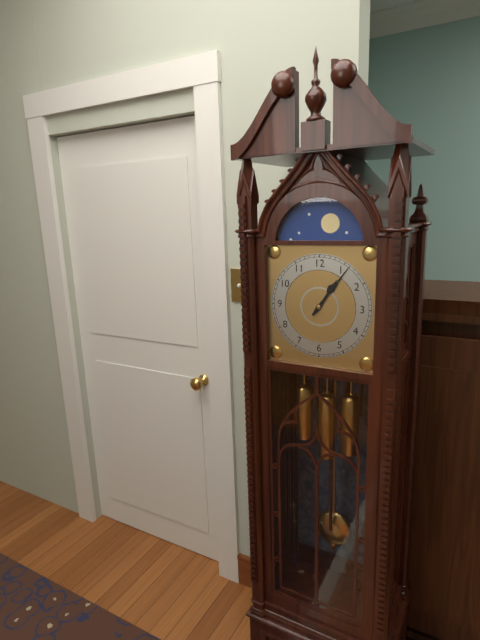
1:06
